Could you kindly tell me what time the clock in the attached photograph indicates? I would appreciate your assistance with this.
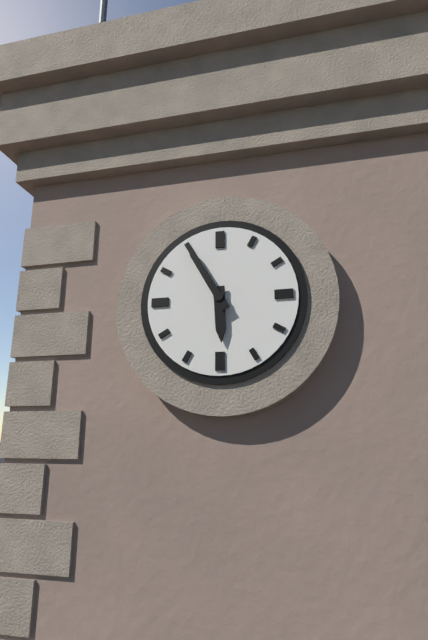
5:55
